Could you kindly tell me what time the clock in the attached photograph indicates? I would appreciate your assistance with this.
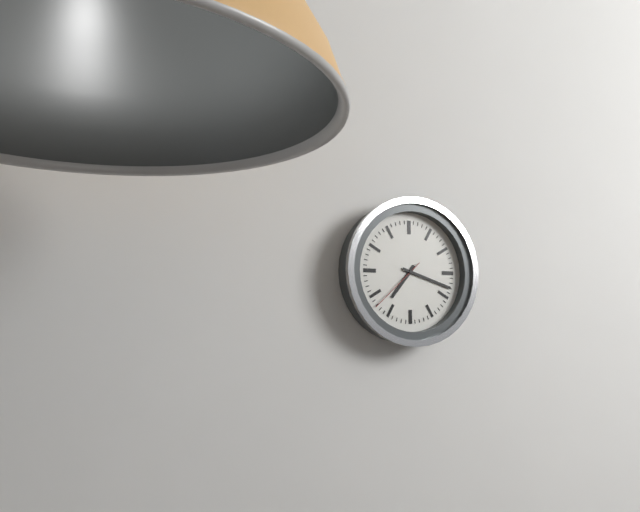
7:18:38
